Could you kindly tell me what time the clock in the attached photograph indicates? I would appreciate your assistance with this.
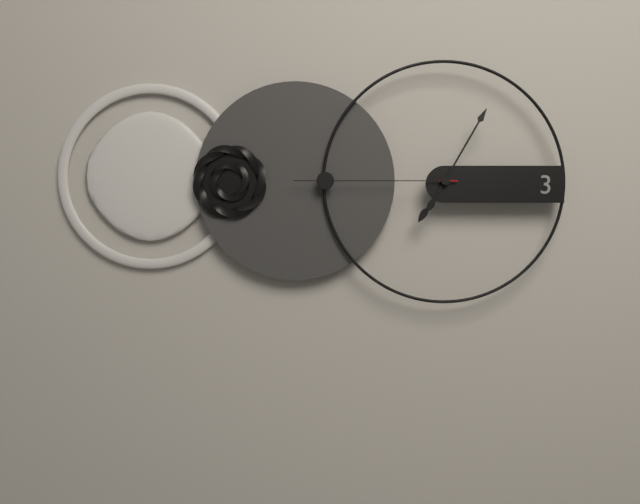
7:05:45
